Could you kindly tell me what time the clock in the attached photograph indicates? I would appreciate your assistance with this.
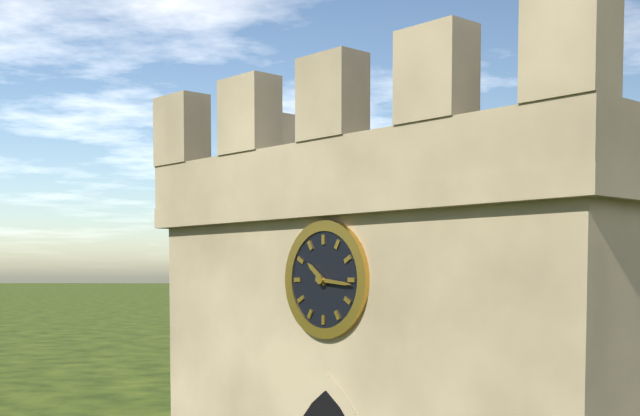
10:16
